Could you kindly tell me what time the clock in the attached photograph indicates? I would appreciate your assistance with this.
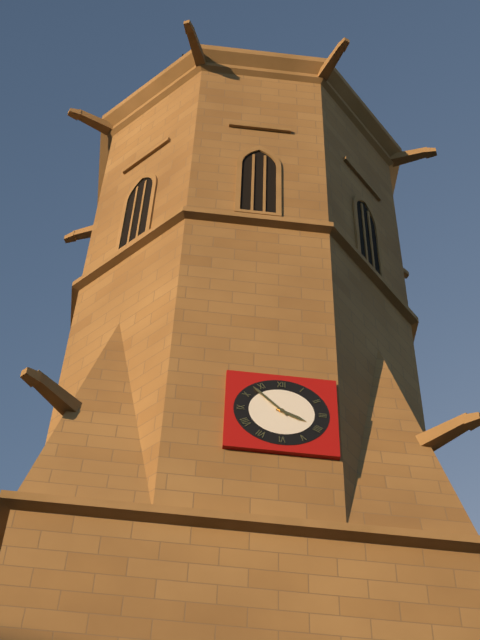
3:53
